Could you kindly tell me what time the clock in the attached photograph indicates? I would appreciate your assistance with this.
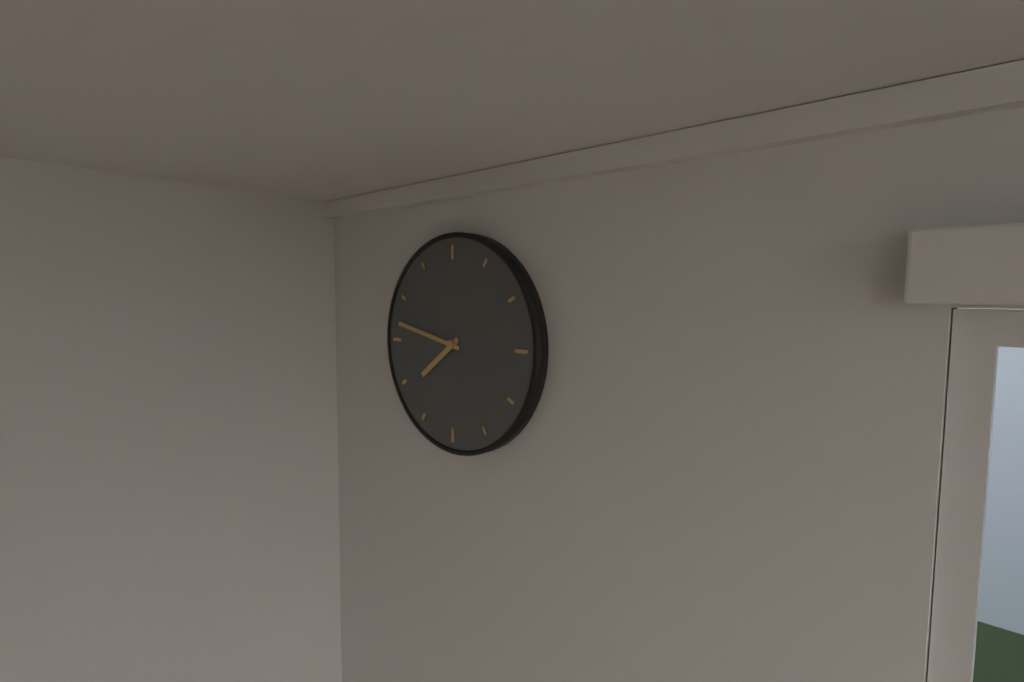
7:47
